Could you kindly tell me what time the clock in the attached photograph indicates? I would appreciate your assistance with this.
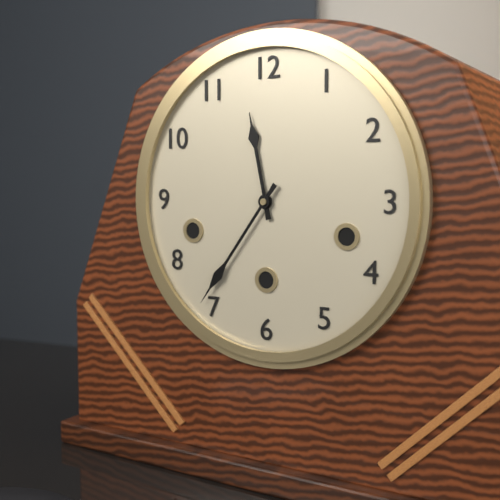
11:36
